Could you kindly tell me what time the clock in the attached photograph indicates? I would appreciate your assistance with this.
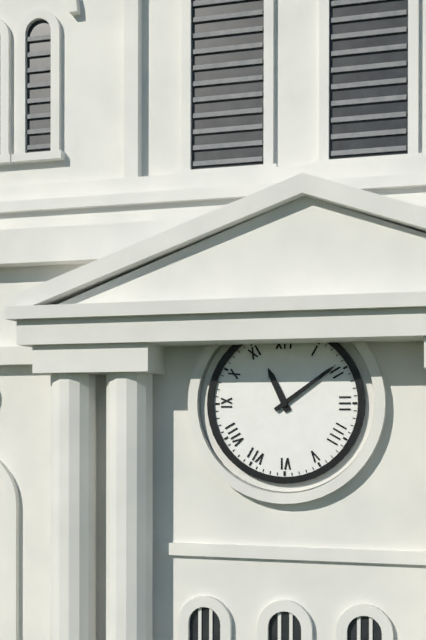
11:09
